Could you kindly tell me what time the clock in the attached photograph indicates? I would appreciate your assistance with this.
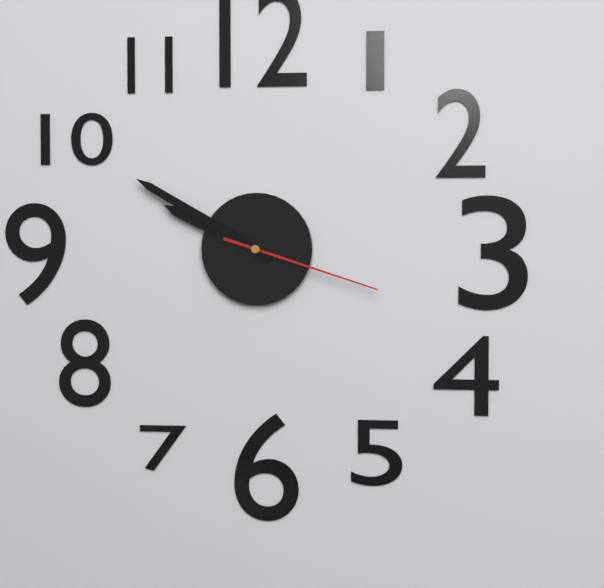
9:50:18
